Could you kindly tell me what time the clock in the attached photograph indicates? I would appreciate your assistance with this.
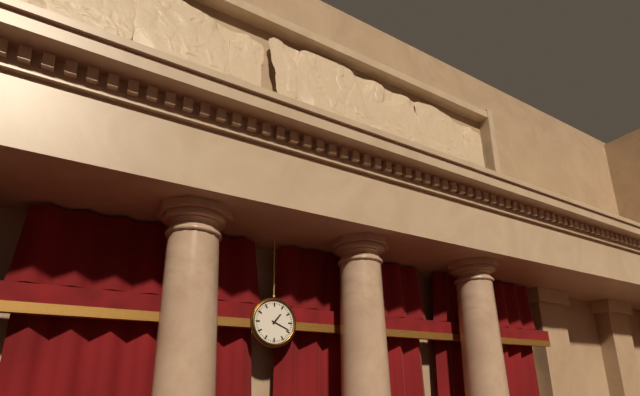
1:19
